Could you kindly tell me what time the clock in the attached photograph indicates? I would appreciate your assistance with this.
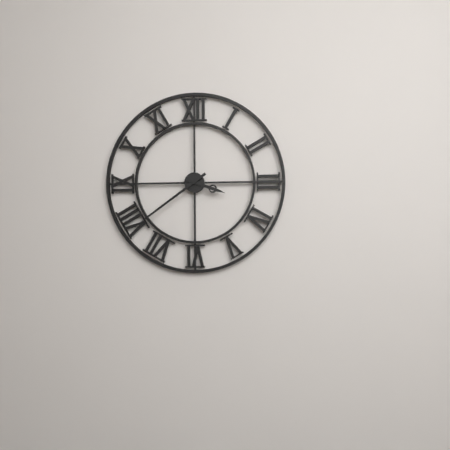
3:39
